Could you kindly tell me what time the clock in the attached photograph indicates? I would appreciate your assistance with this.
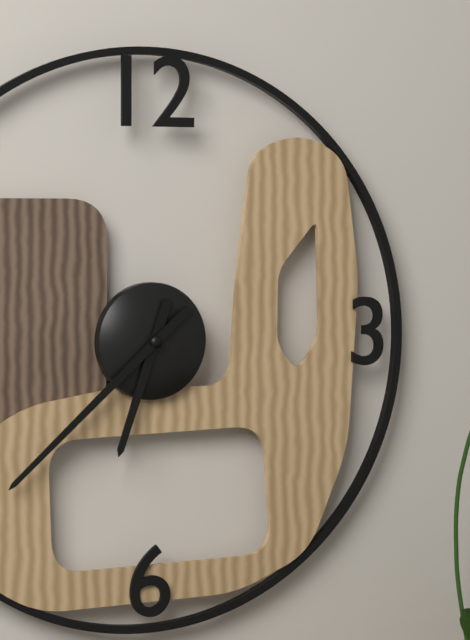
6:38
